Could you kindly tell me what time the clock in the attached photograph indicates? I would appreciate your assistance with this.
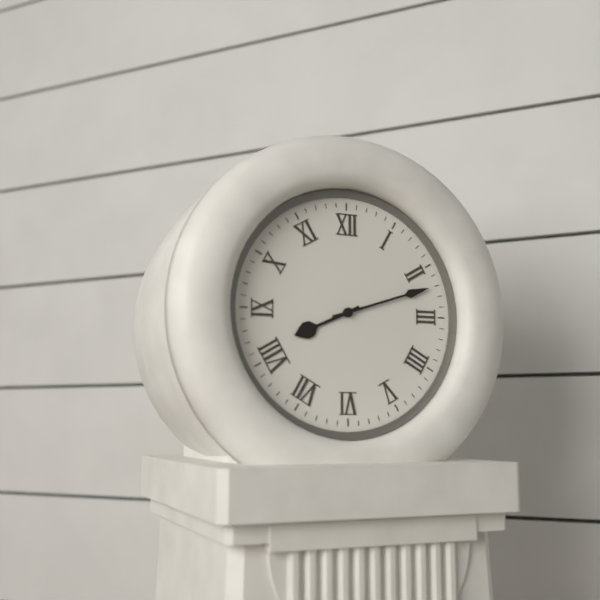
8:12
